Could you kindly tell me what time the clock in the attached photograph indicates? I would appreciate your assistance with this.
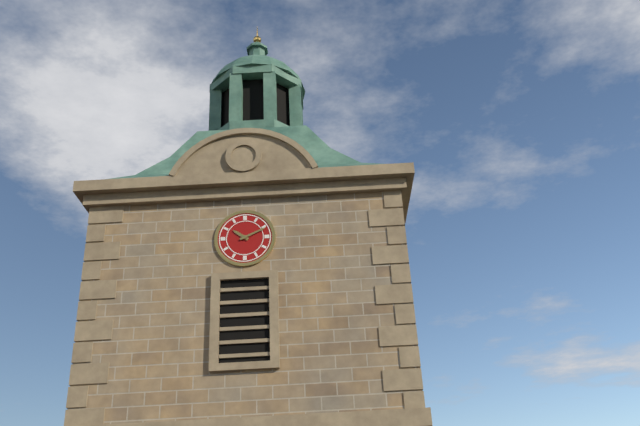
10:11
